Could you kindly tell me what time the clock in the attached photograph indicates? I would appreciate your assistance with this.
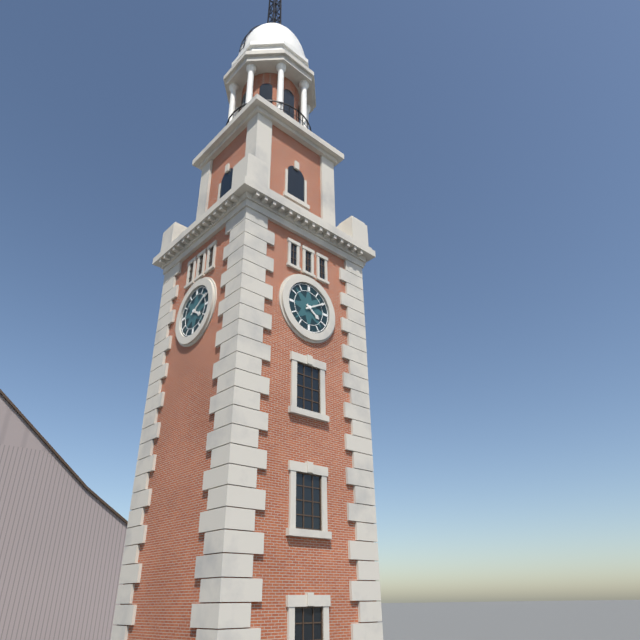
4:10
